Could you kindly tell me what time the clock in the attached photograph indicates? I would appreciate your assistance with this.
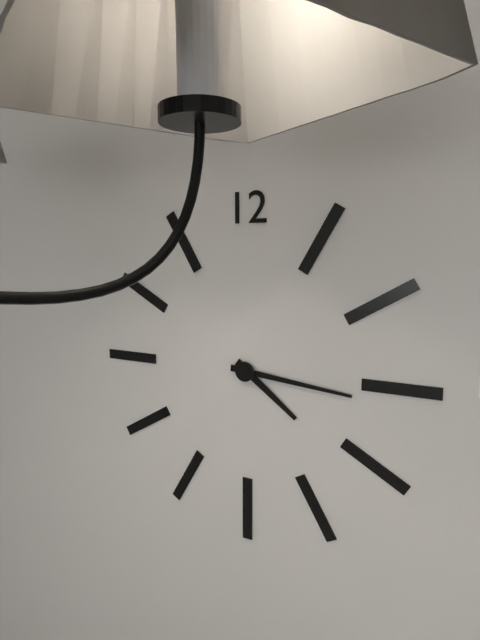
4:16
